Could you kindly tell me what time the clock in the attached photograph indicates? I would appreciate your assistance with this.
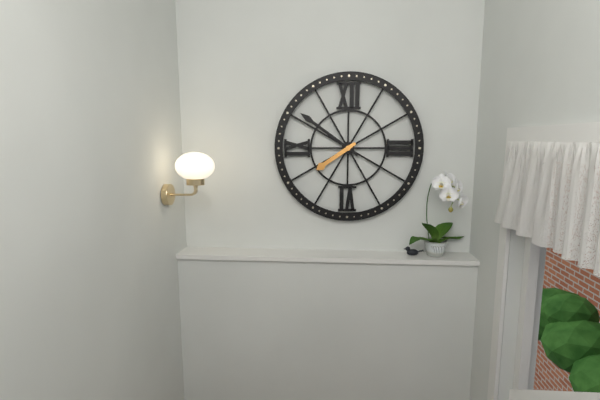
7:51
